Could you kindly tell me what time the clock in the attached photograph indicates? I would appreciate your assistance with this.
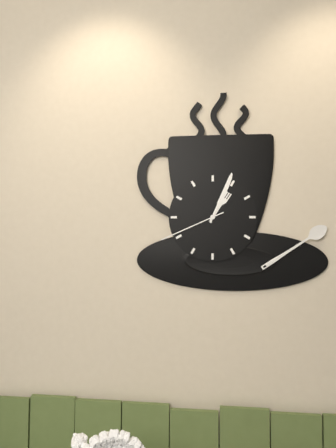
1:04:41
